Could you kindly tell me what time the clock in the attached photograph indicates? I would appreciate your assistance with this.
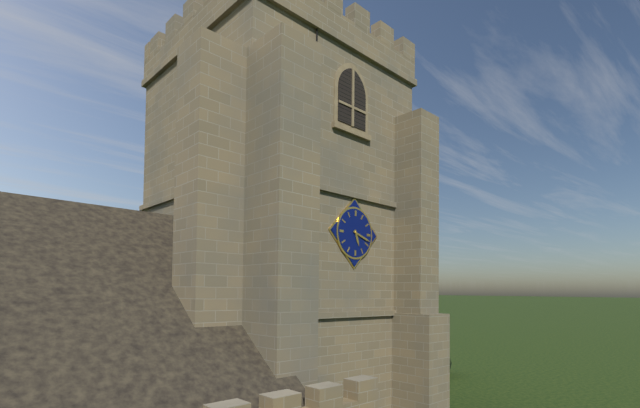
5:18
